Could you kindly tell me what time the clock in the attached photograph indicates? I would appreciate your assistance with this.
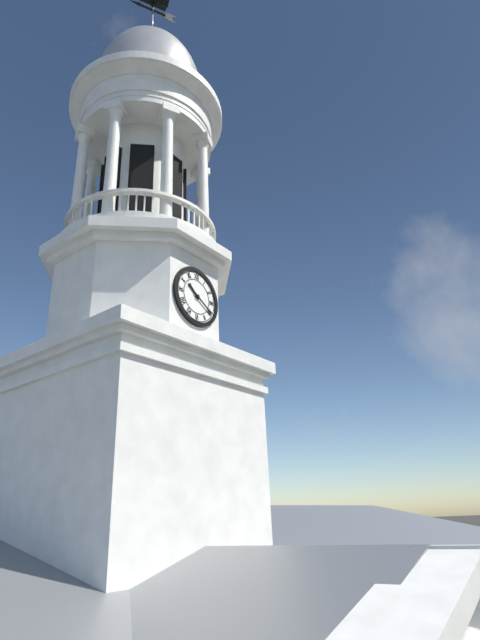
10:20
